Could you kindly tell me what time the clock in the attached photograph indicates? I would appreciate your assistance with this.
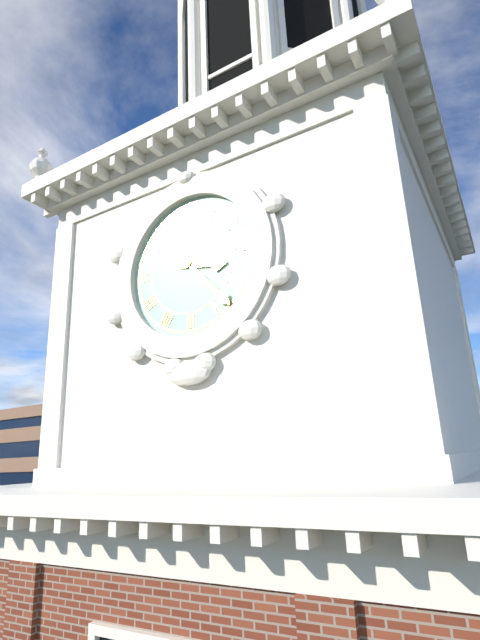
3:23
